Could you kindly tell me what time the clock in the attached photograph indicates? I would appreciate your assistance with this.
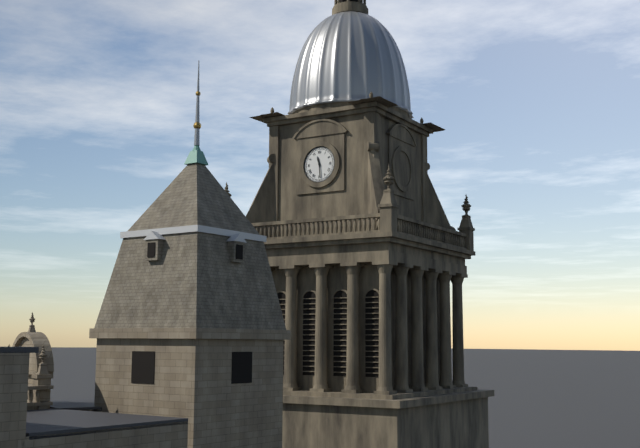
11:29
